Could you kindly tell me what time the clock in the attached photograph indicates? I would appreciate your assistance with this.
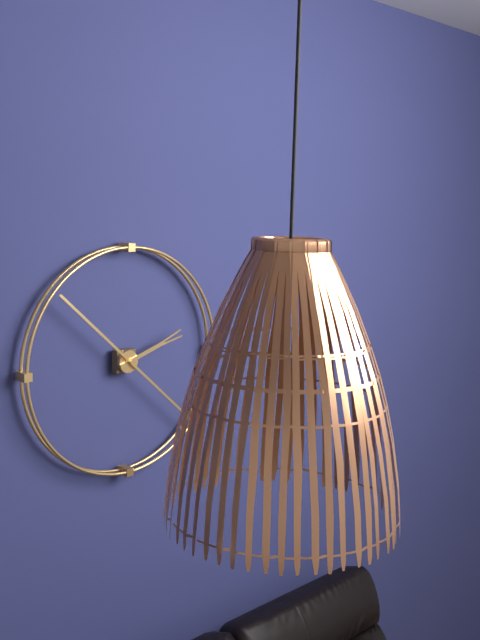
2:22
